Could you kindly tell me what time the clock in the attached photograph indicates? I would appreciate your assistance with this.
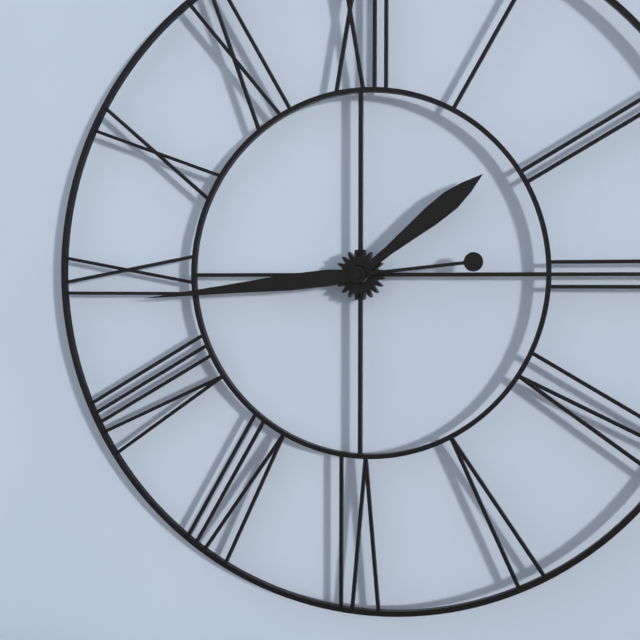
1:44
